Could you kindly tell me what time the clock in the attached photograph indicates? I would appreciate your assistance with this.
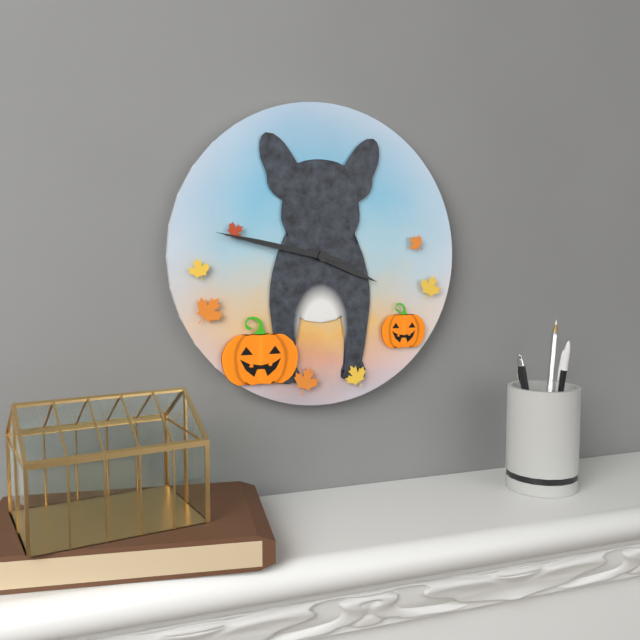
3:47
